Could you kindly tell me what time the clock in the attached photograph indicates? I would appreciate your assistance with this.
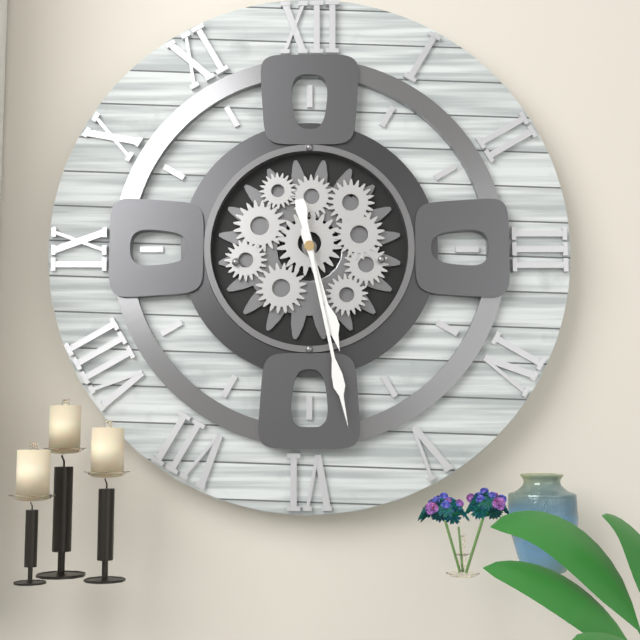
5:28
